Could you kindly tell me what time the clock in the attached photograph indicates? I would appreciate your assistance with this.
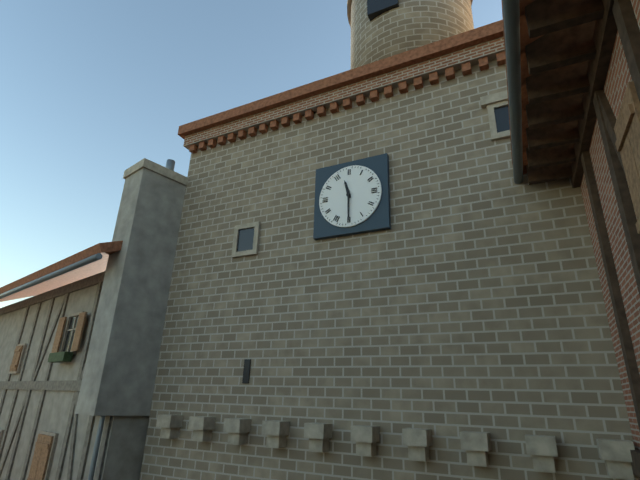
11:30
